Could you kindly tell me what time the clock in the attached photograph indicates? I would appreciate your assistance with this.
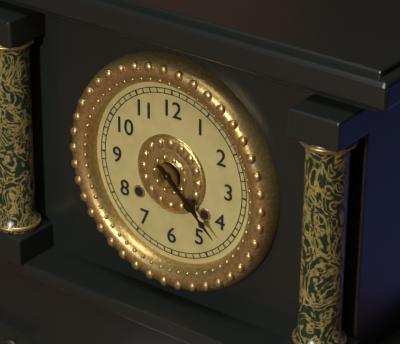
4:22
